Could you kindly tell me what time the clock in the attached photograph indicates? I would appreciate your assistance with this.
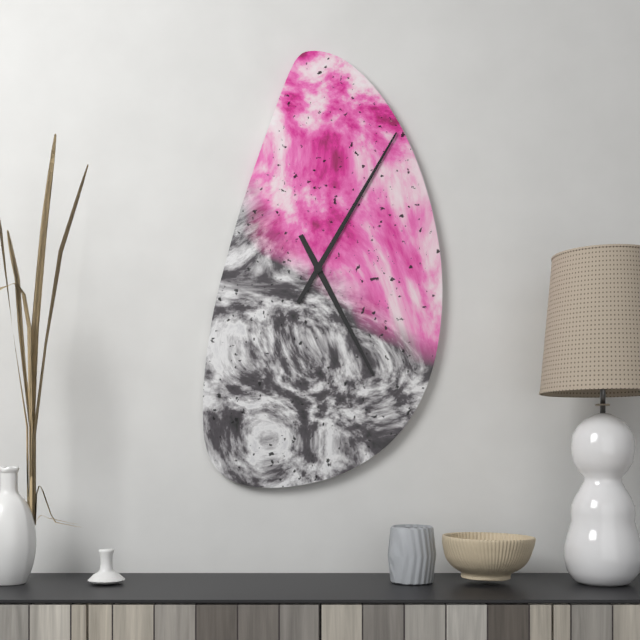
5:05
